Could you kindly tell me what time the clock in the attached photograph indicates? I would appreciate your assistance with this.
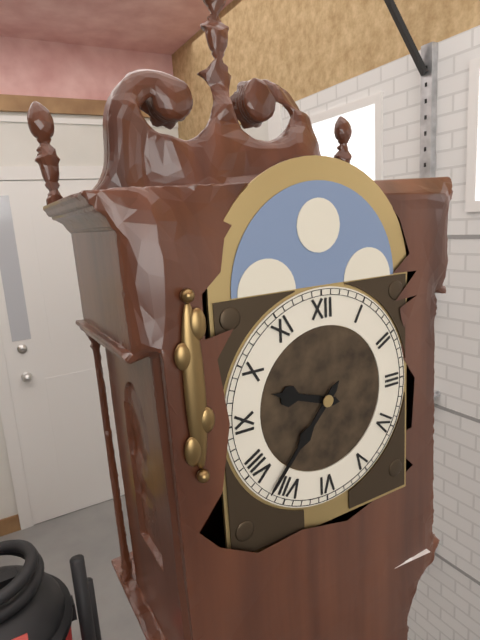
9:37
